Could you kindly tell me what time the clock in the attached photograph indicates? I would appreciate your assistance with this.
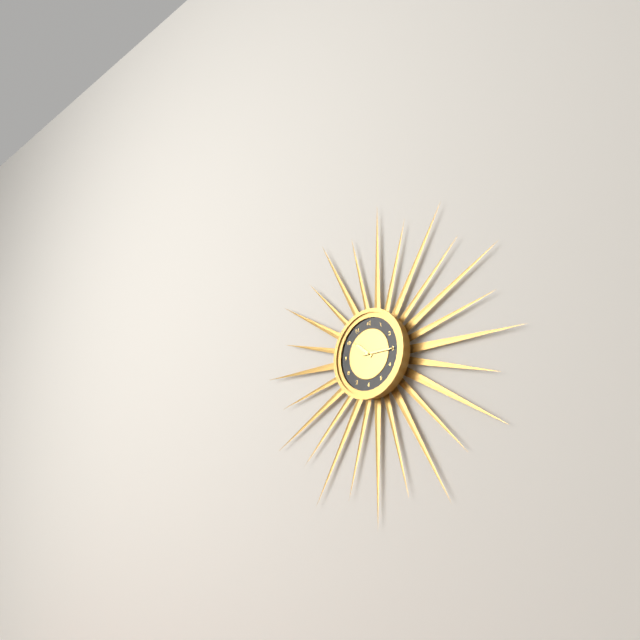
10:15
